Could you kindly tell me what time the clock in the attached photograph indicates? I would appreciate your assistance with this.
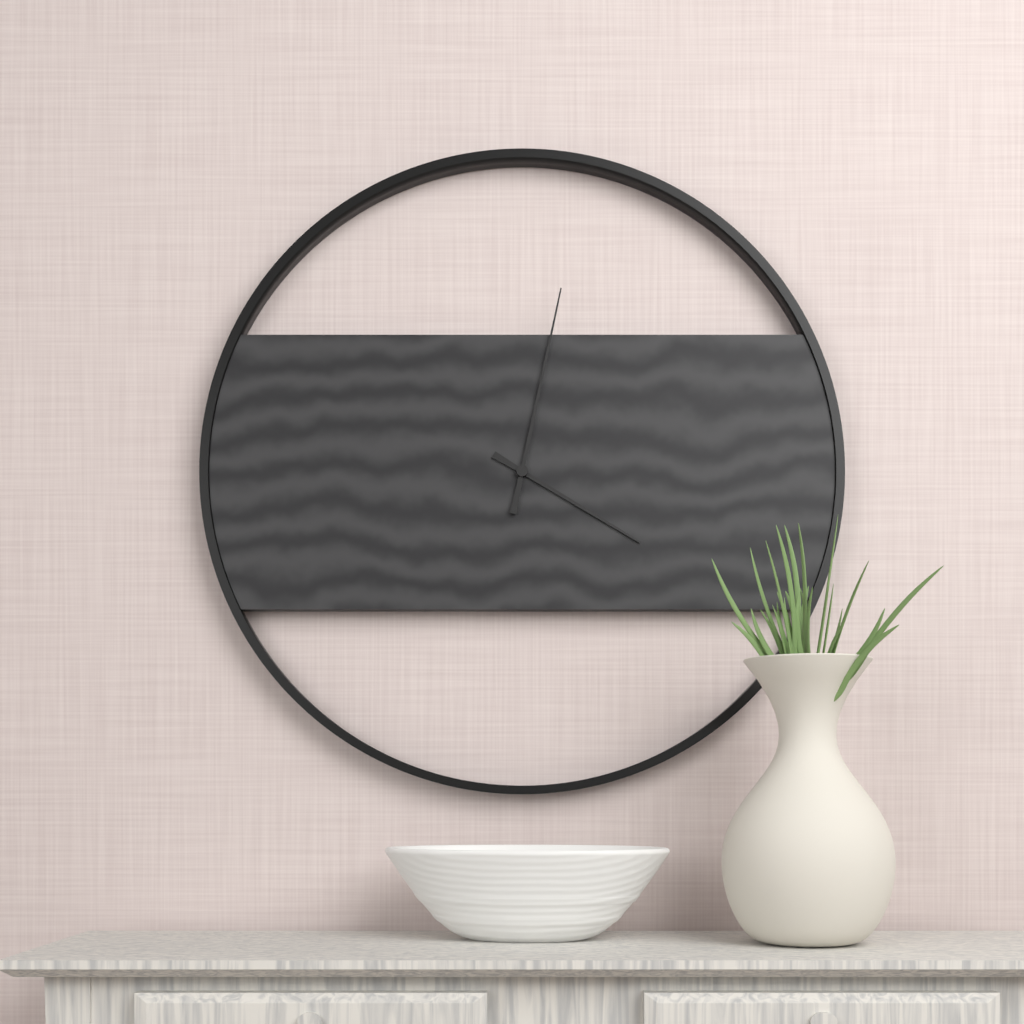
4:02
